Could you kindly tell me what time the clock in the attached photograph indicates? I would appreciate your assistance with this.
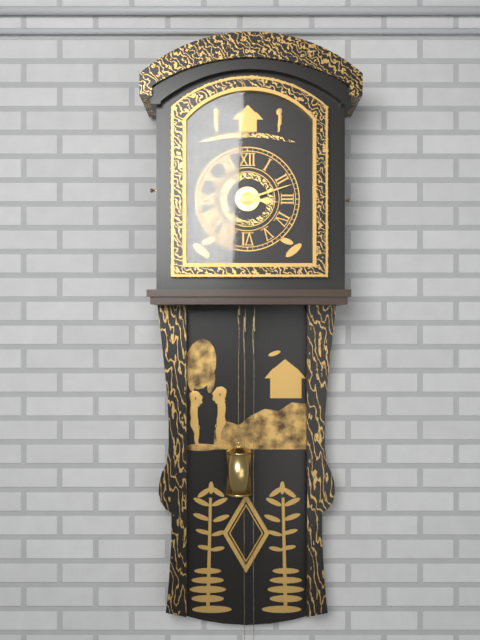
3:12
